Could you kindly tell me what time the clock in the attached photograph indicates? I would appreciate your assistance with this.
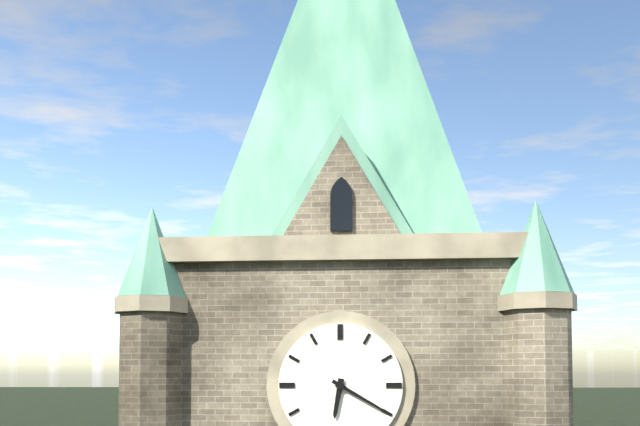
6:20
